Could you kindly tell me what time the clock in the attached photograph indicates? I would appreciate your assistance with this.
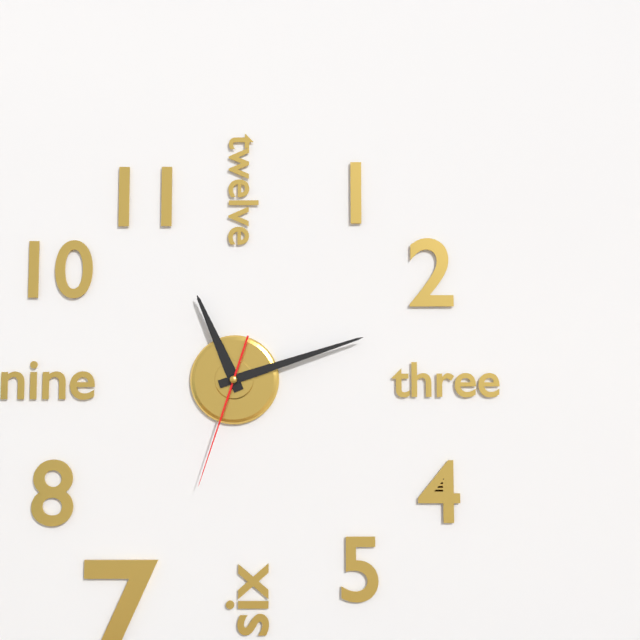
11:12:33
